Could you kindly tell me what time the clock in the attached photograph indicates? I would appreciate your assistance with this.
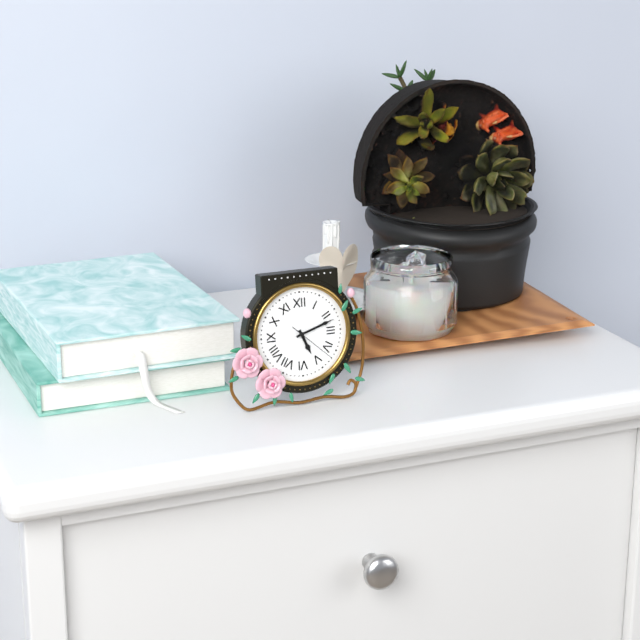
5:12
